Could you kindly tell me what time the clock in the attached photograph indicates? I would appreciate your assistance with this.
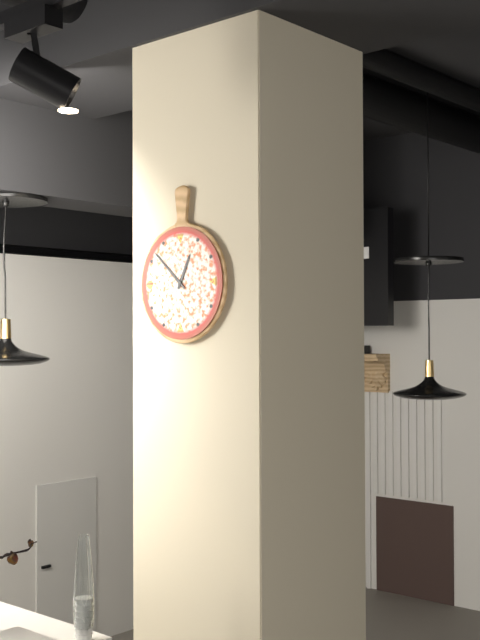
12:52
